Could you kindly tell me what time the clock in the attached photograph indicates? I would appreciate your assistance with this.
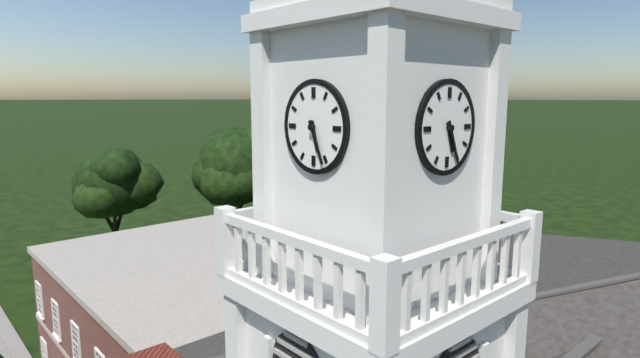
5:26
